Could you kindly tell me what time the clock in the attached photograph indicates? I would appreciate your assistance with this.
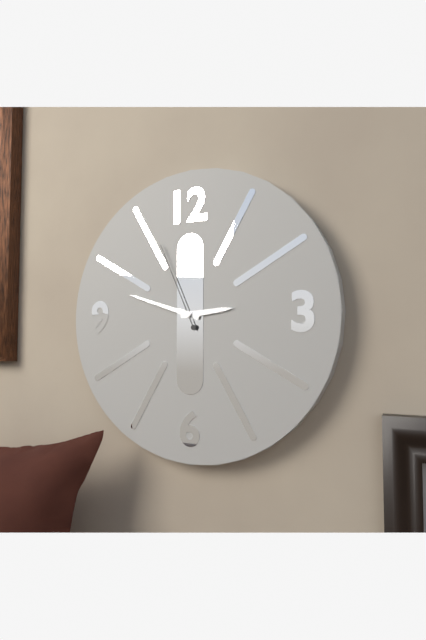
2:48:56
